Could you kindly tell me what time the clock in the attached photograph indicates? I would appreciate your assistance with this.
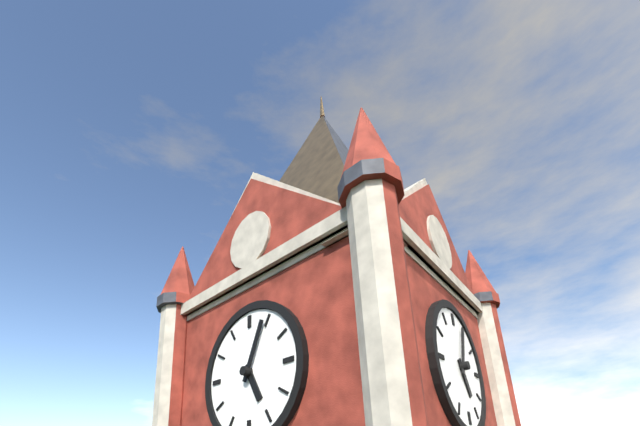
5:04
